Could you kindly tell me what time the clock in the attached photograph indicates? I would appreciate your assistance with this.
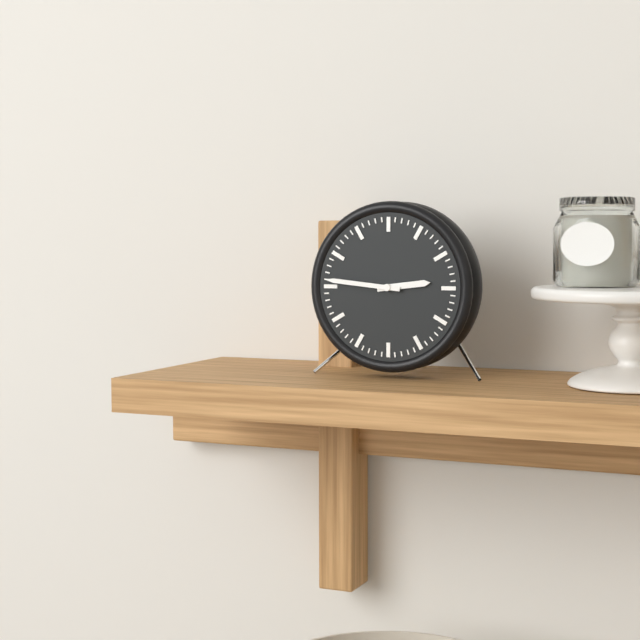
2:46
